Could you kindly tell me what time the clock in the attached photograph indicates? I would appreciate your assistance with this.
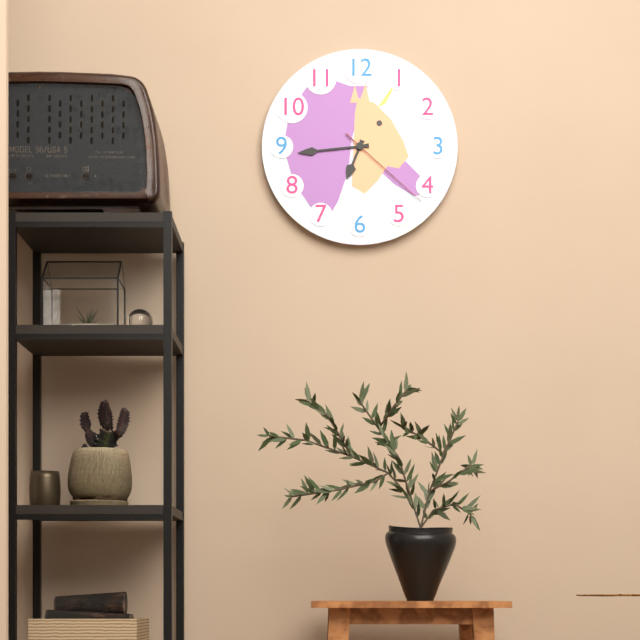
6:44:22
